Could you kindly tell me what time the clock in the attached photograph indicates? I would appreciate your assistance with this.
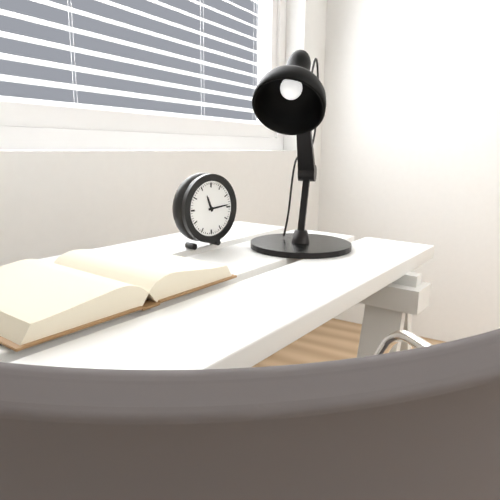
11:14
